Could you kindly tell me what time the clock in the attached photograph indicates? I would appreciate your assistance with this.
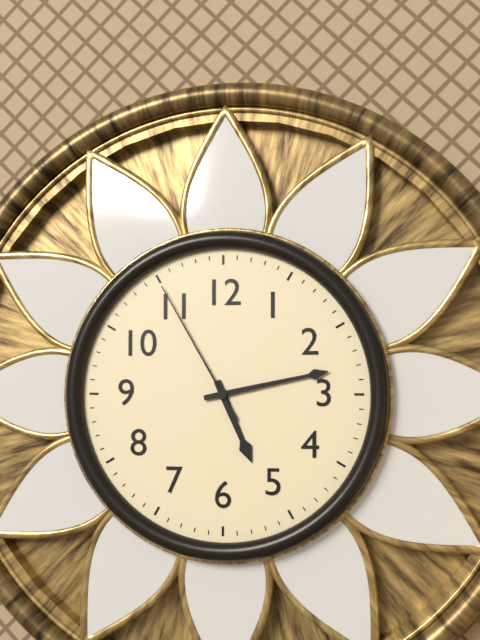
5:13:55
